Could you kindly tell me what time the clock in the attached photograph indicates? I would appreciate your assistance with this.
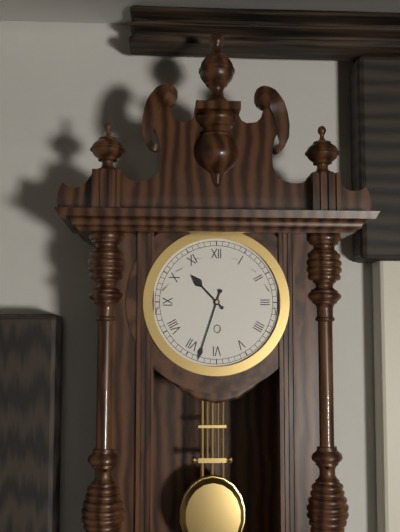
10:33
